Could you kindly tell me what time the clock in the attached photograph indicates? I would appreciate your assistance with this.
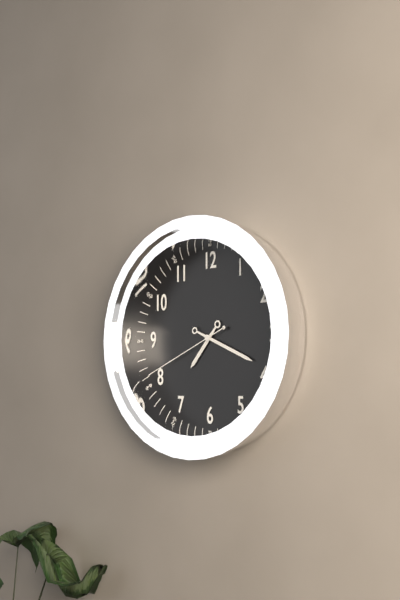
7:19:41
